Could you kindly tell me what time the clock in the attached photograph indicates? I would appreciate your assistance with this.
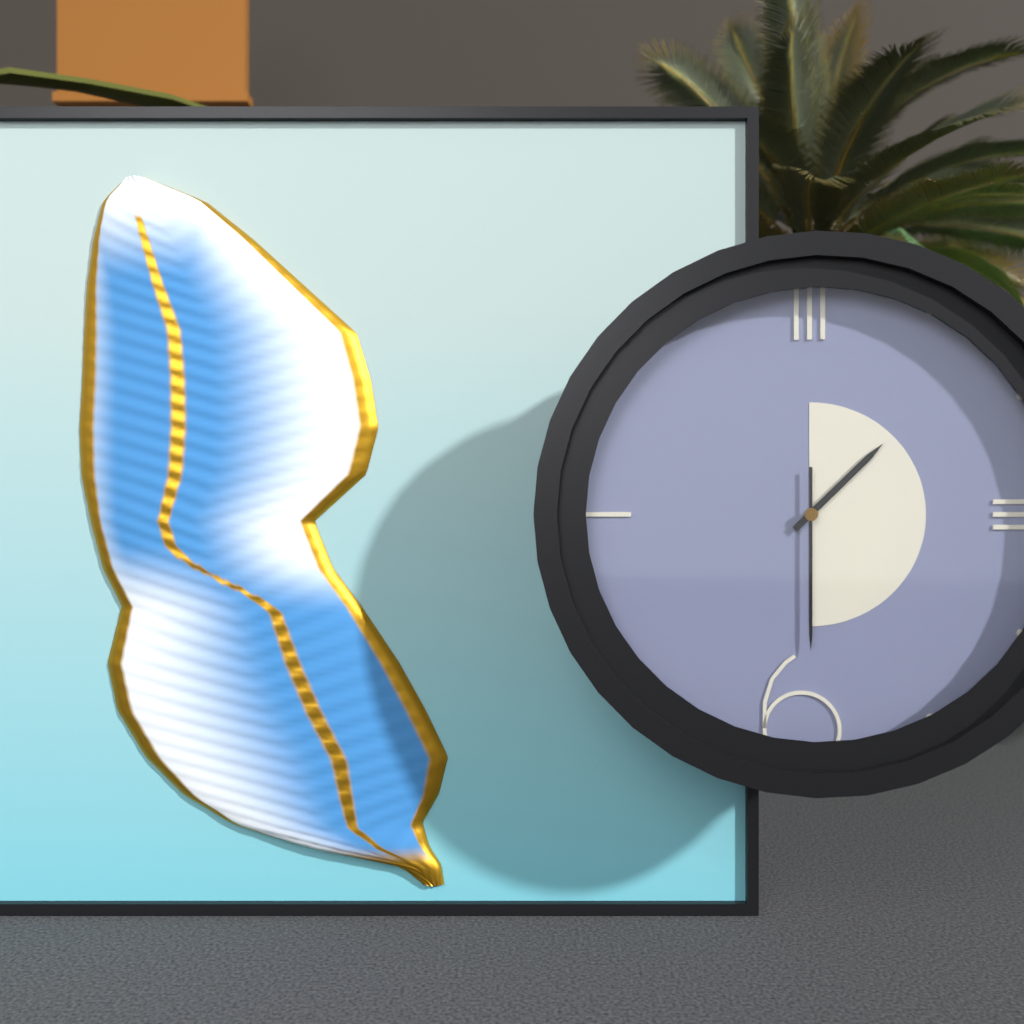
1:30
